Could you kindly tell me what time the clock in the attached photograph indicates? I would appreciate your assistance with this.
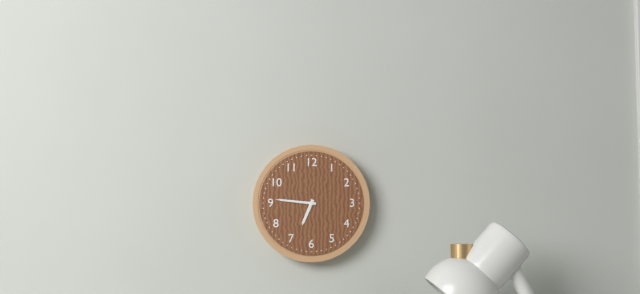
6:46
